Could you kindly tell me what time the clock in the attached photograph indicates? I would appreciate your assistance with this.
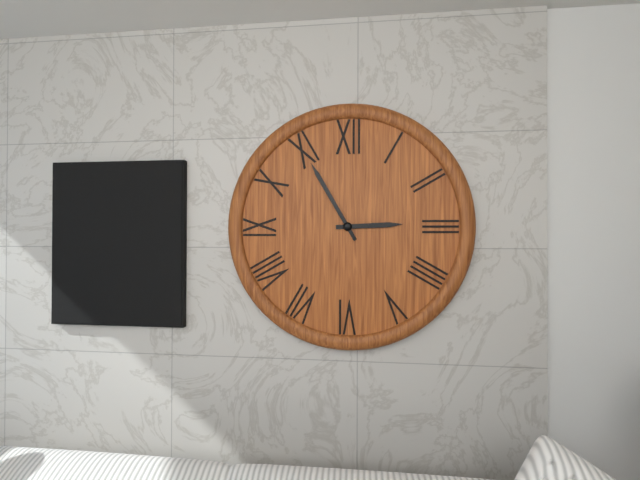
2:55
